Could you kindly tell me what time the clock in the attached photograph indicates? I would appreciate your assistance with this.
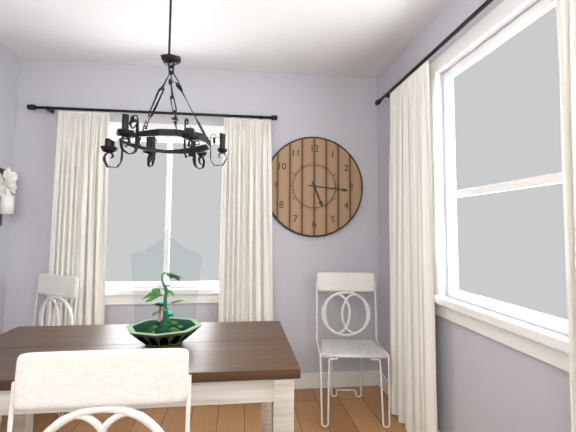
5:16
